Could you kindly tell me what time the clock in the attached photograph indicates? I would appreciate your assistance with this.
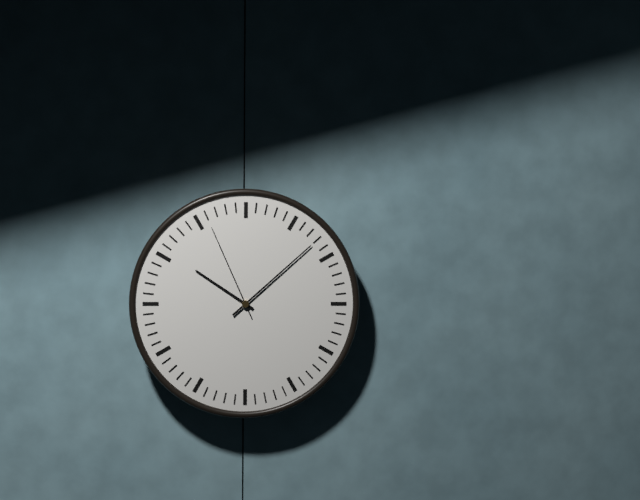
10:08:56
